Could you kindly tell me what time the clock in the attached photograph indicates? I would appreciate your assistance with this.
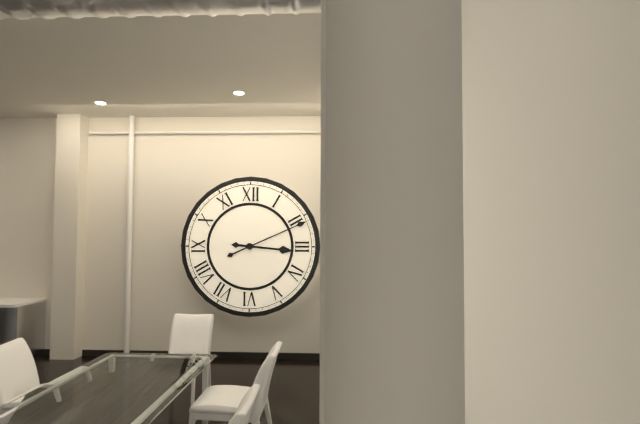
3:11
